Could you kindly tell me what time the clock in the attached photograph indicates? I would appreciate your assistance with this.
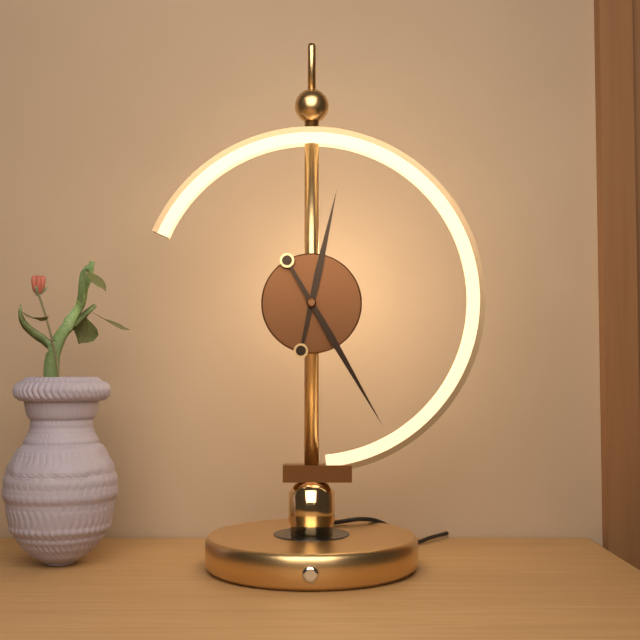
12:25
